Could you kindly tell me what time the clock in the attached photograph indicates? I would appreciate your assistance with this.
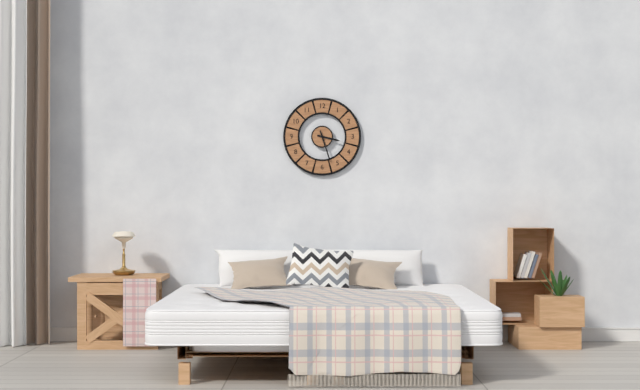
3:27
